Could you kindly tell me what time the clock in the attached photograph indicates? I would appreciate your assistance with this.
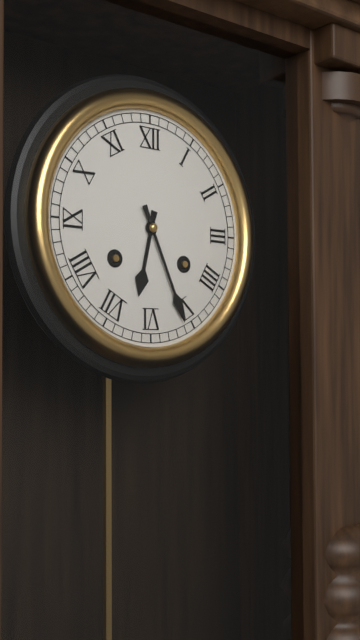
6:26
